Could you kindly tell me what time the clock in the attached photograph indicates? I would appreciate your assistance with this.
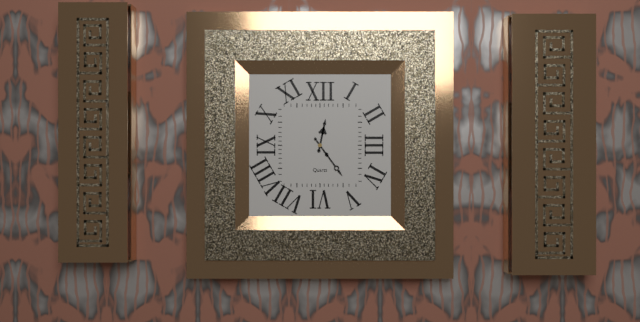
12:24
